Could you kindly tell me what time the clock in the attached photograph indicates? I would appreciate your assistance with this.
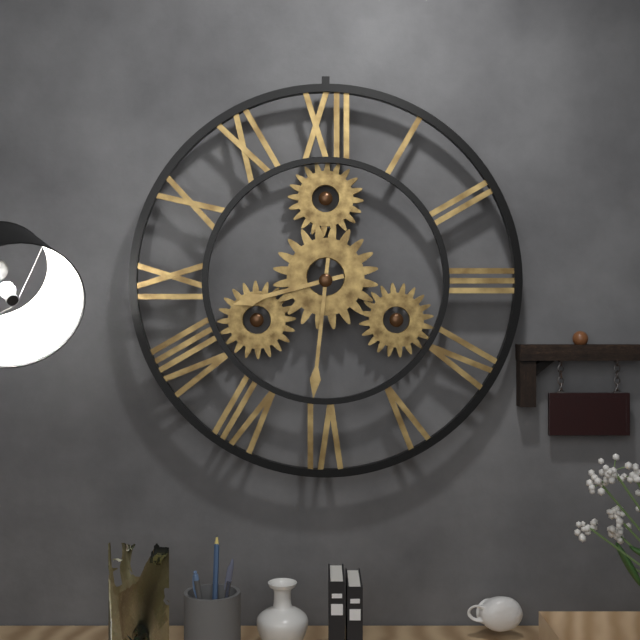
8:31
